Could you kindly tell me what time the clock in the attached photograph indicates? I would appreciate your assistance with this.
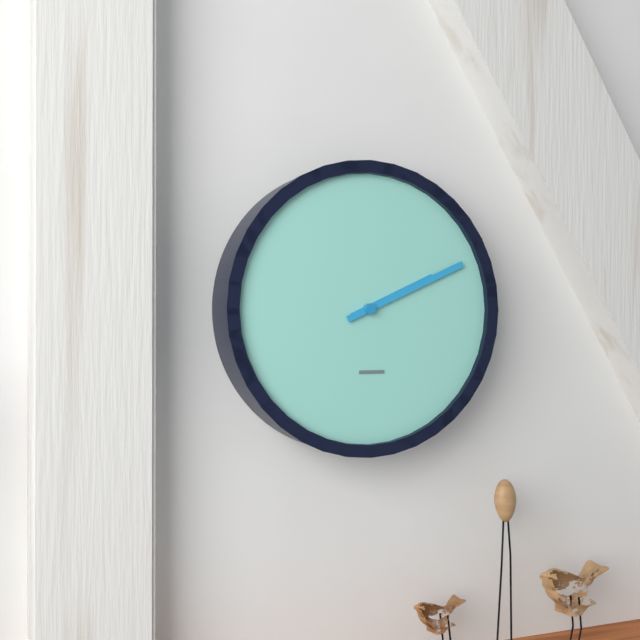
2:11
